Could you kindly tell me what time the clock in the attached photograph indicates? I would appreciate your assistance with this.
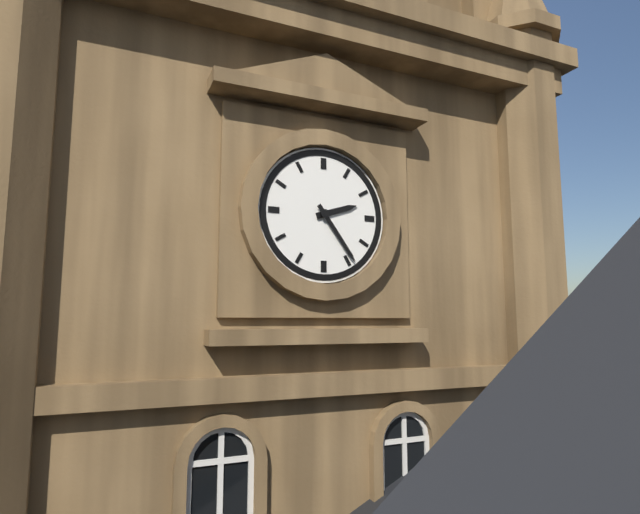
2:24
